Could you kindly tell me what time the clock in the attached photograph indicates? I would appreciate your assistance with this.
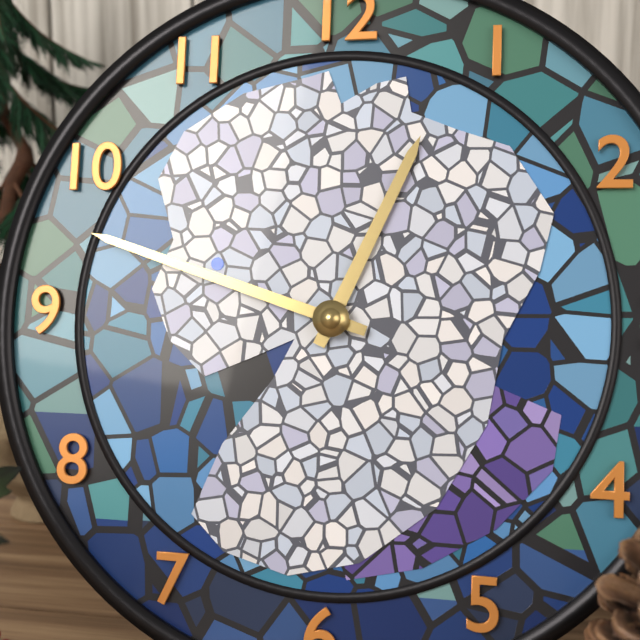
12:48
